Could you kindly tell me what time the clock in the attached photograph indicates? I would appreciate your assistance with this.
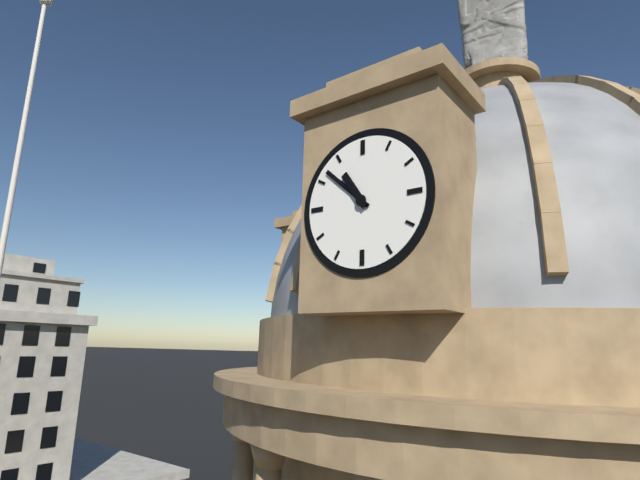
10:52
